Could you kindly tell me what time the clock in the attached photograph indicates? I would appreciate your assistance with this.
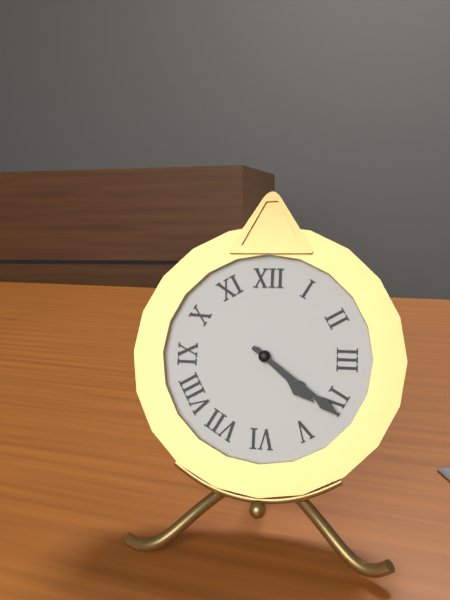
4:21
